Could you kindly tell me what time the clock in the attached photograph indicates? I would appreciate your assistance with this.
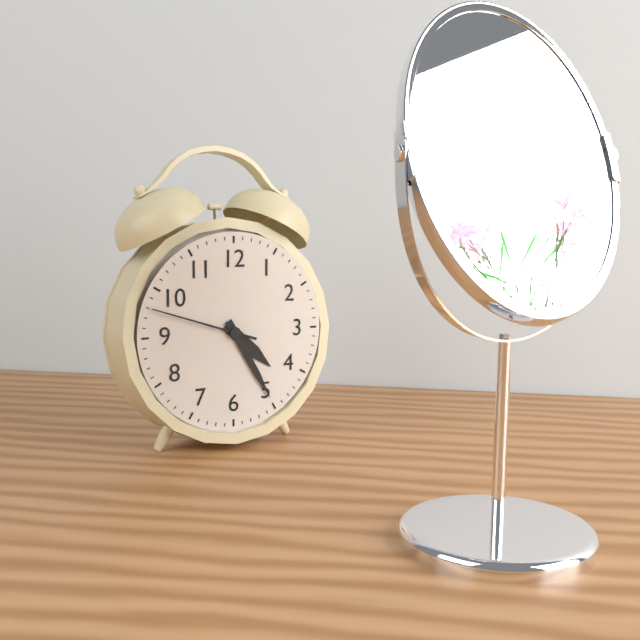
4:25:48
